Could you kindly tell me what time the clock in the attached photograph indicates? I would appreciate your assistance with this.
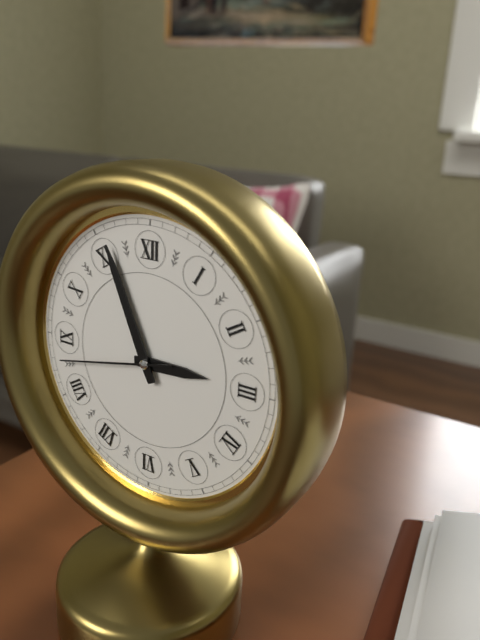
2:56:43
